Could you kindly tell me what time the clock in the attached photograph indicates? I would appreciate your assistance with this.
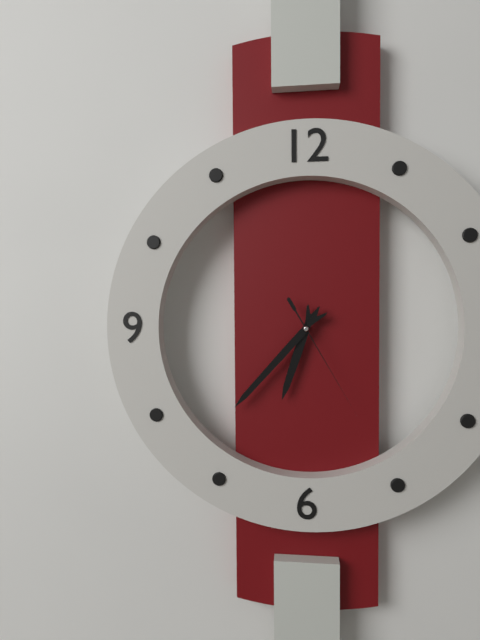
6:37:25
